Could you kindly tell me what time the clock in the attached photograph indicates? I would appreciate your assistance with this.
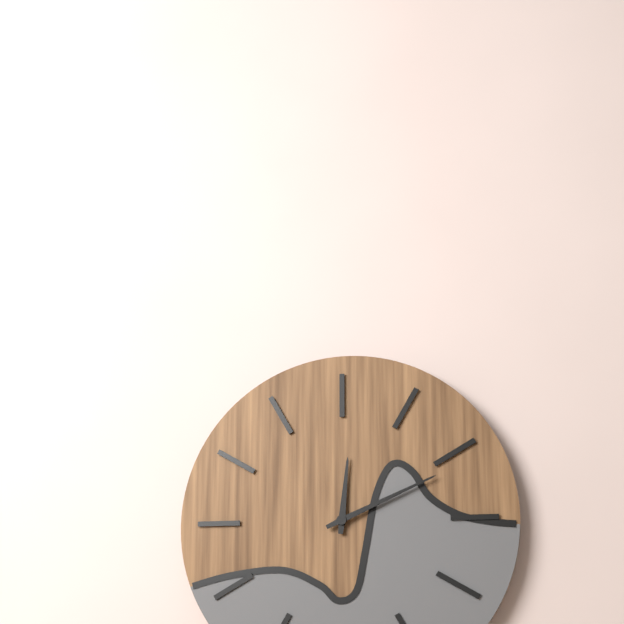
12:11
